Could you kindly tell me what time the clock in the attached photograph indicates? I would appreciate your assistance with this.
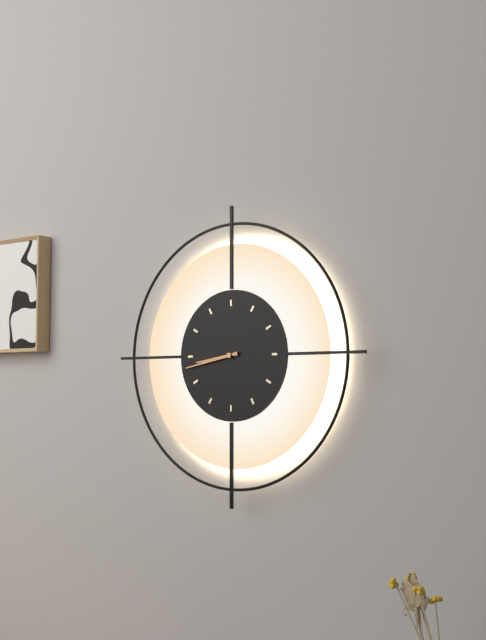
8:43
